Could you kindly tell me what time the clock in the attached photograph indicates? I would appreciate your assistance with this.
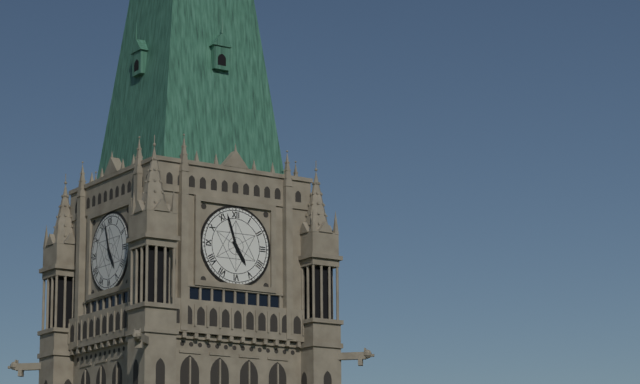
4:57
